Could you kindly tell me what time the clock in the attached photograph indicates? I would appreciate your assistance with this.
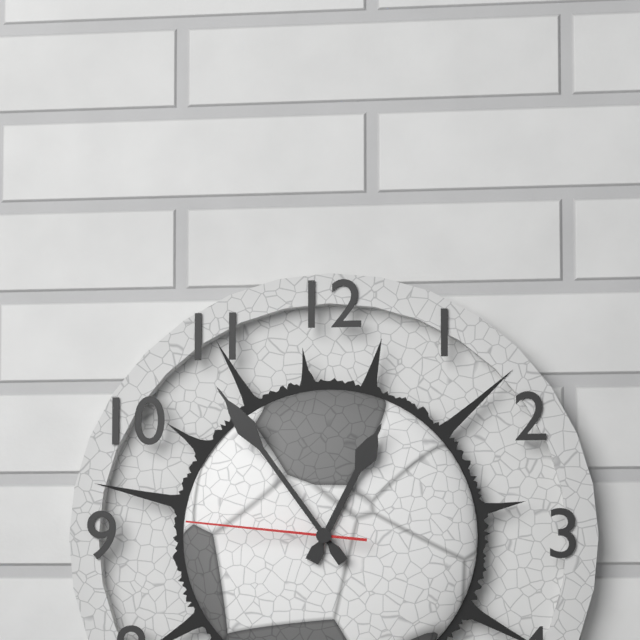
12:54:46
